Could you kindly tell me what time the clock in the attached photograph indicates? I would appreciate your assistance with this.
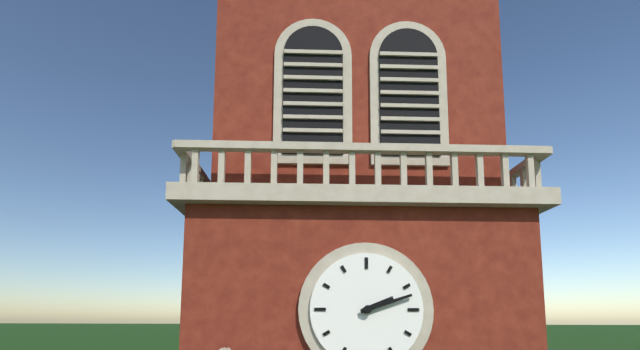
2:12
